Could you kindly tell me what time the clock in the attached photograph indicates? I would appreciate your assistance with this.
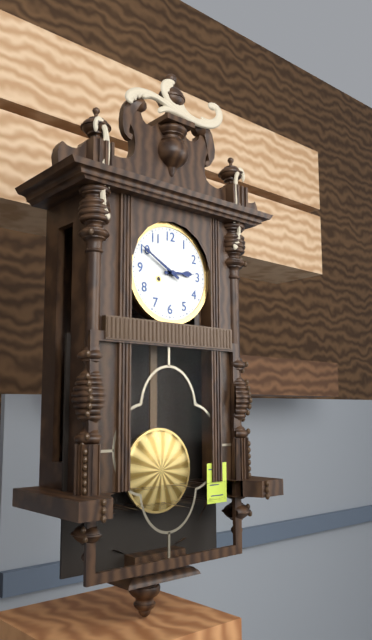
2:50
